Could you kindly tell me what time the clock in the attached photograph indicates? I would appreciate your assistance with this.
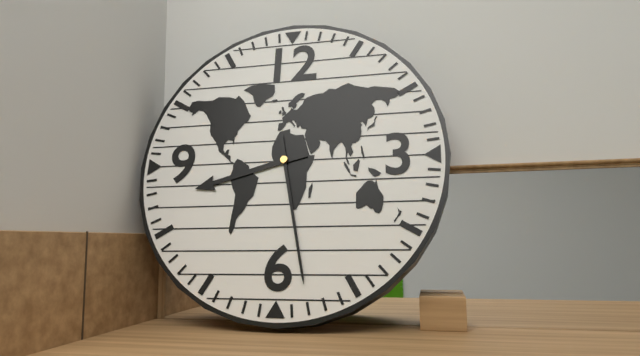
8:28
